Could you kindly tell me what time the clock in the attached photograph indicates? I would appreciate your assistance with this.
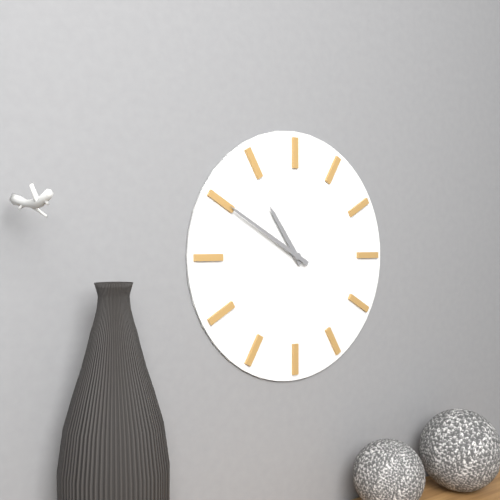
10:50
